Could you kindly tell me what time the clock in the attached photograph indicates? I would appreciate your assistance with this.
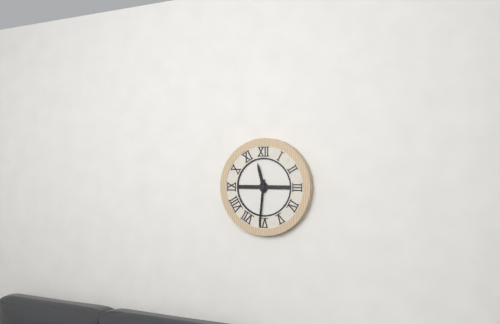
11:31
